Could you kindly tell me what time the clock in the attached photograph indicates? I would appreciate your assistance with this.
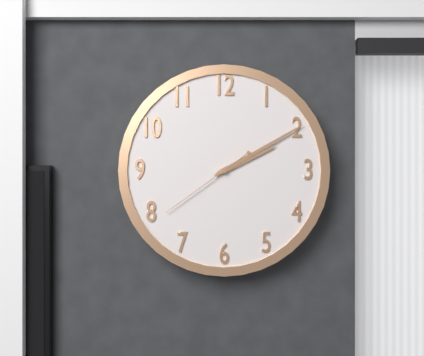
2:10:39
